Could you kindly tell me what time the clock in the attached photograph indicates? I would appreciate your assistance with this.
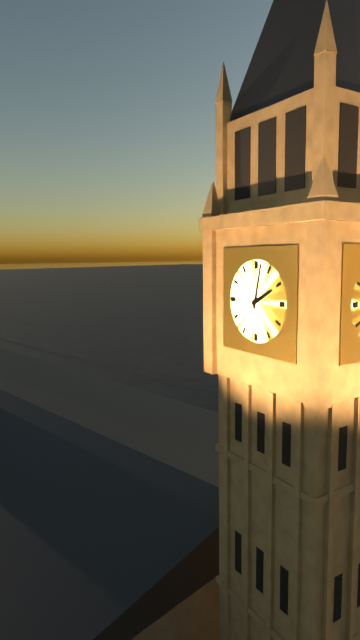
2:02
